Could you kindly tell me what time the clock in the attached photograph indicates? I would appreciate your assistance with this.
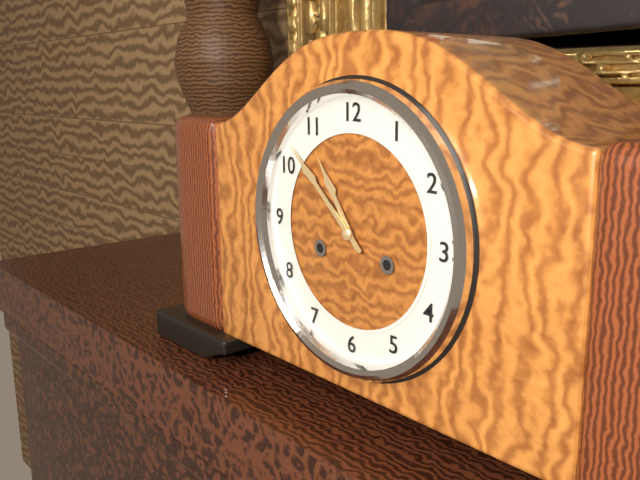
10:52
